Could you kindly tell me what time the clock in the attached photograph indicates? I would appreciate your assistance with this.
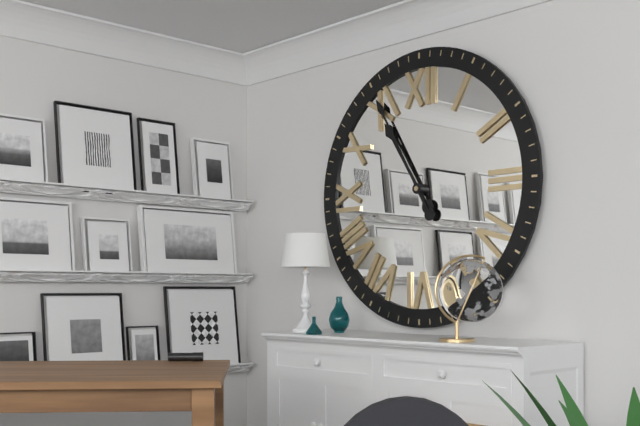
10:55
